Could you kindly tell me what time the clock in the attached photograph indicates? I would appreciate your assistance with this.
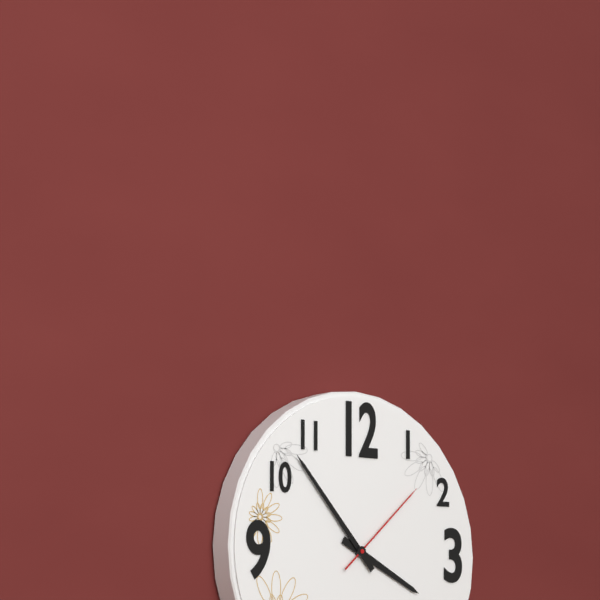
3:53:08
